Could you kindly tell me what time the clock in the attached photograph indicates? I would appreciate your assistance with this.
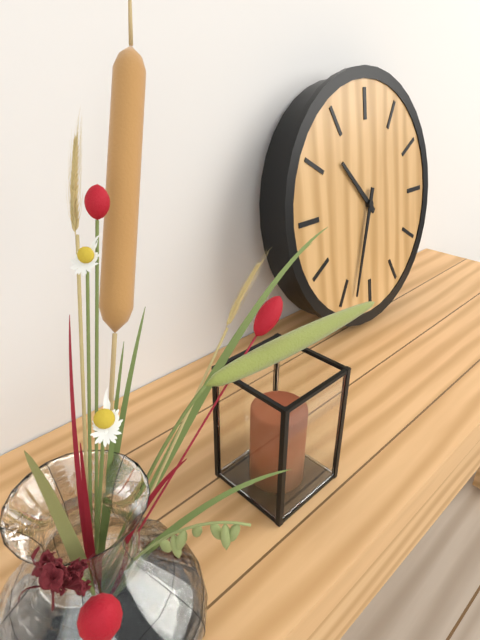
10:33
